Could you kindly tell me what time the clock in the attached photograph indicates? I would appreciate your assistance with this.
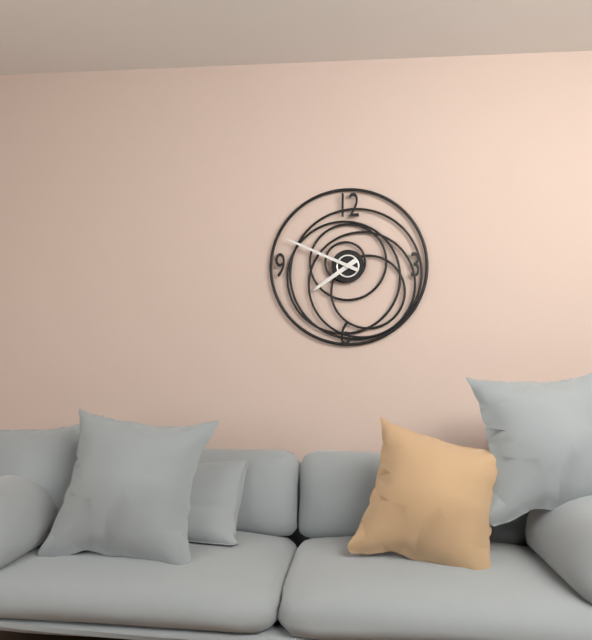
7:49
